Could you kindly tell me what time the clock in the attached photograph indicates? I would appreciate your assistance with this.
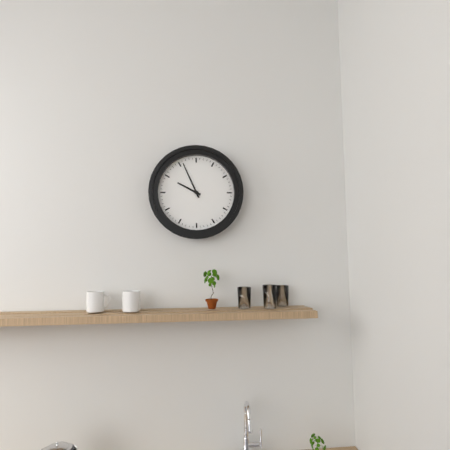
9:56
